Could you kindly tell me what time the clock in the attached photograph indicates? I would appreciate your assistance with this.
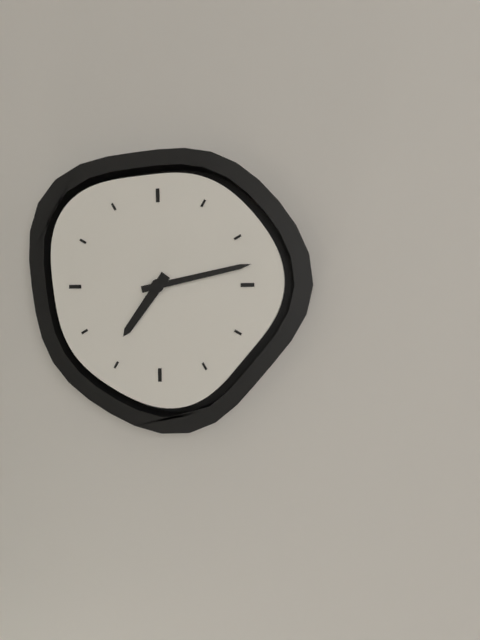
7:13
